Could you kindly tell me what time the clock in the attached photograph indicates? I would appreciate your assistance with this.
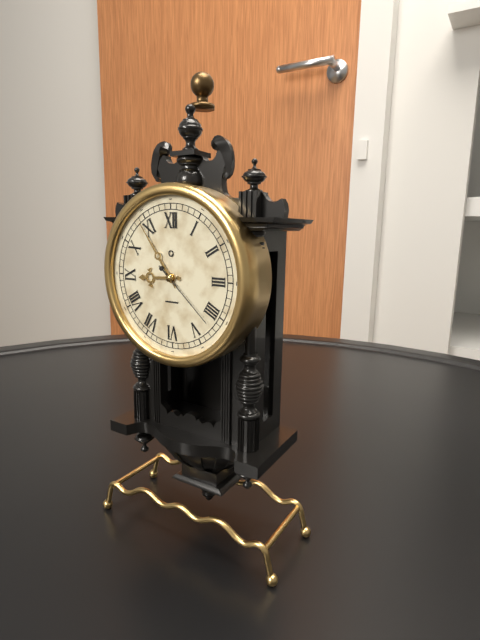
8:54:22
